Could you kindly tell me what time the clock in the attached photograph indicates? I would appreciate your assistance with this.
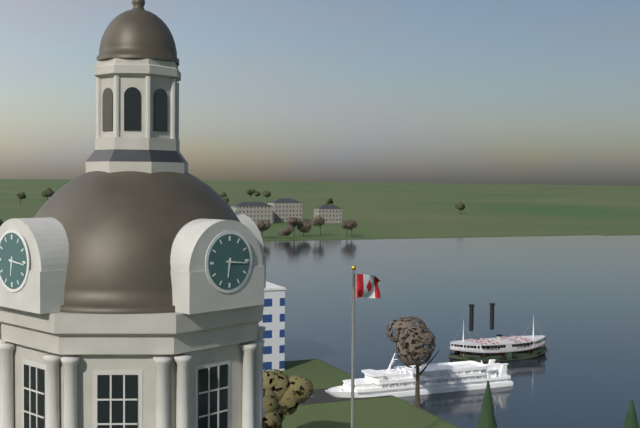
6:16
